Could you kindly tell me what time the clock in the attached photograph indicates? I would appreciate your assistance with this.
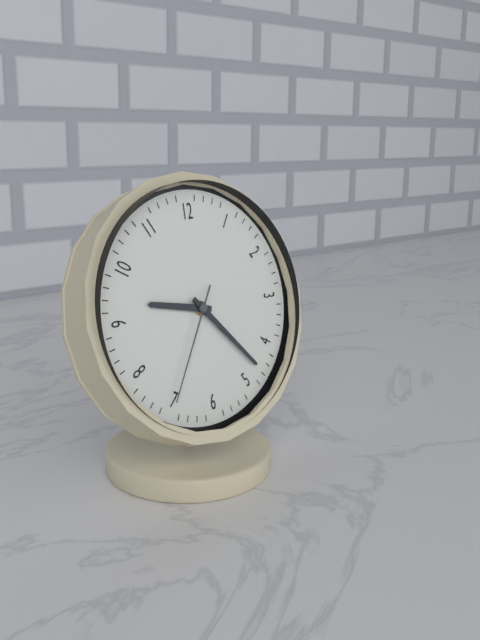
9:23:35
